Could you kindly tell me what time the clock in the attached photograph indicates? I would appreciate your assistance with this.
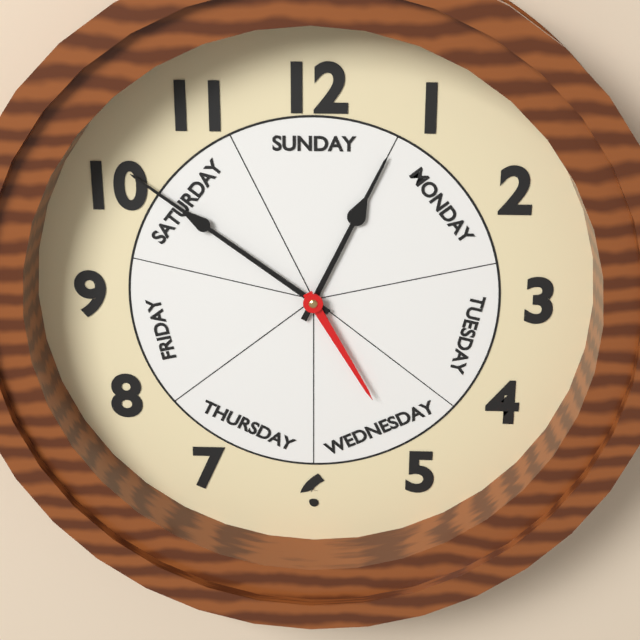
12:51:25
